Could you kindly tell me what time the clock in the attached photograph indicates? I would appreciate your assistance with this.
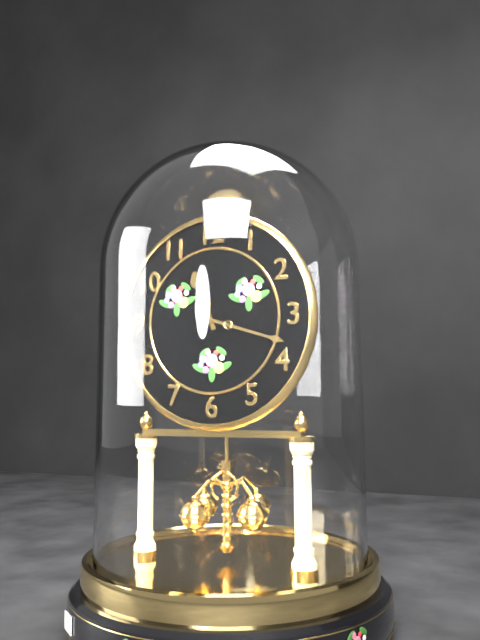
11:18
